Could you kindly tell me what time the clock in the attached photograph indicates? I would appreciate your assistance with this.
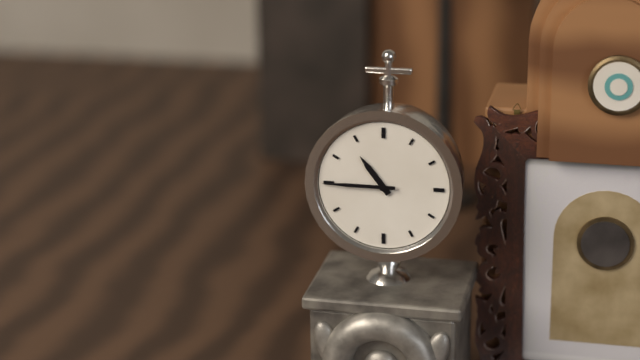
10:45
